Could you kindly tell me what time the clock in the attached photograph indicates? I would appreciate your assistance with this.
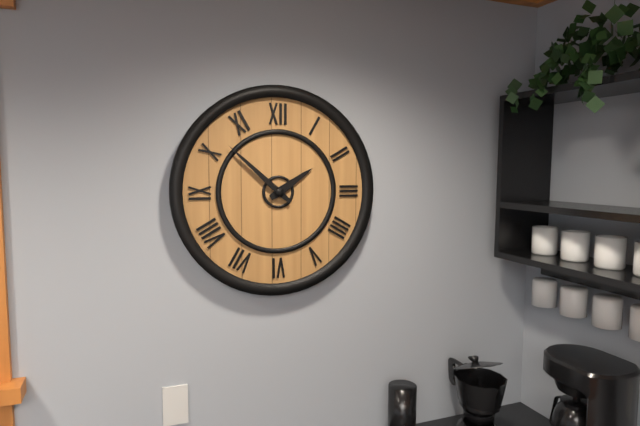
1:52
